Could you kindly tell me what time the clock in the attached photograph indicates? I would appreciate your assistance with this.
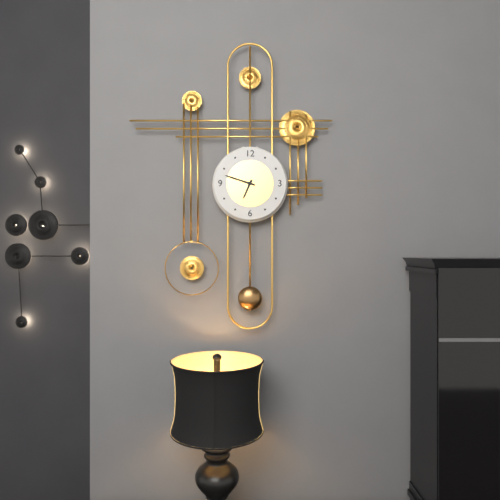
6:48
